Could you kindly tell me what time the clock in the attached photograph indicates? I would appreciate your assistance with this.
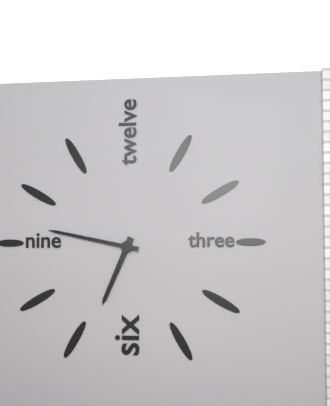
6:47
